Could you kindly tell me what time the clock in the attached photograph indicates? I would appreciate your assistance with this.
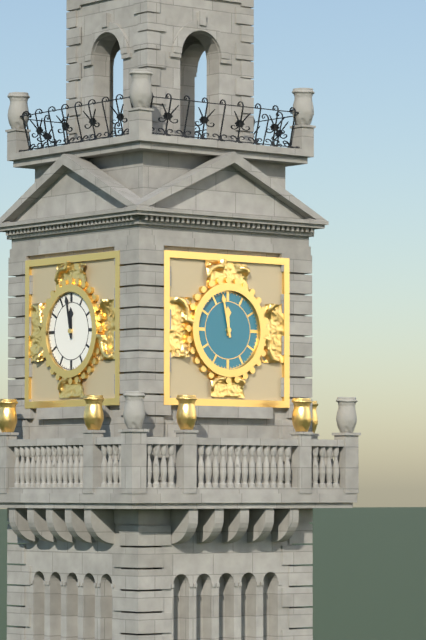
11:58
